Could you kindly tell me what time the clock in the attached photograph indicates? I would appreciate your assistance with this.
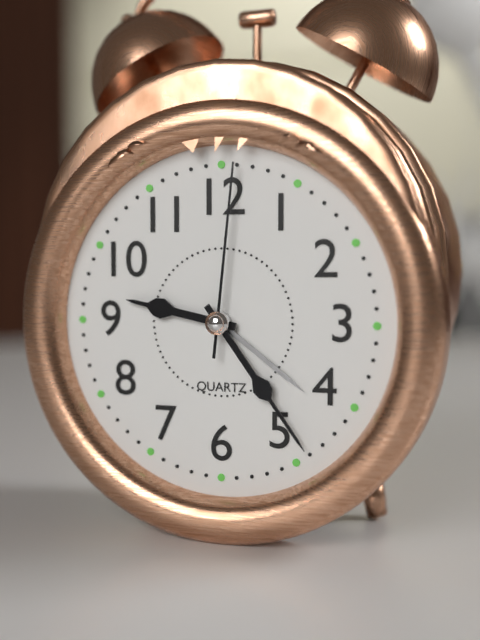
9:24:01
